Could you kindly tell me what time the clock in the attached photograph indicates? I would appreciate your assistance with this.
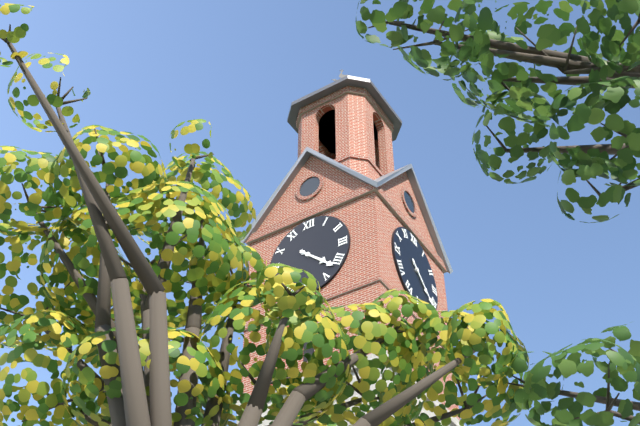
4:22
